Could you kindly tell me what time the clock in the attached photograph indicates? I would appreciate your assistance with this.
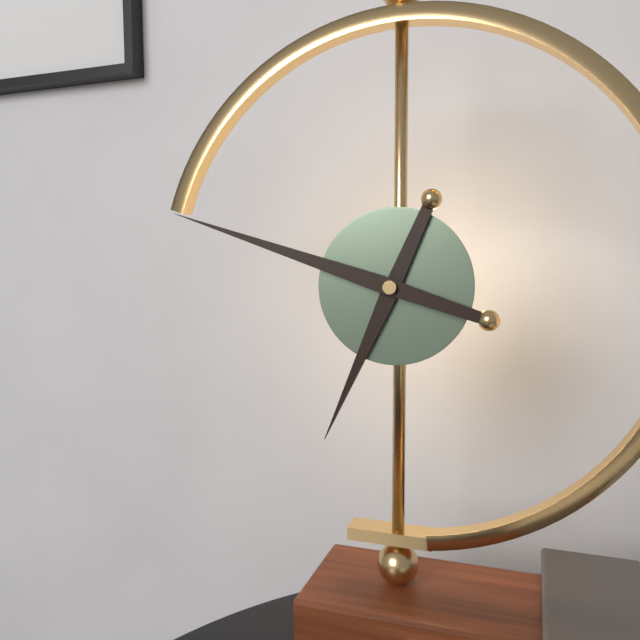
6:48
